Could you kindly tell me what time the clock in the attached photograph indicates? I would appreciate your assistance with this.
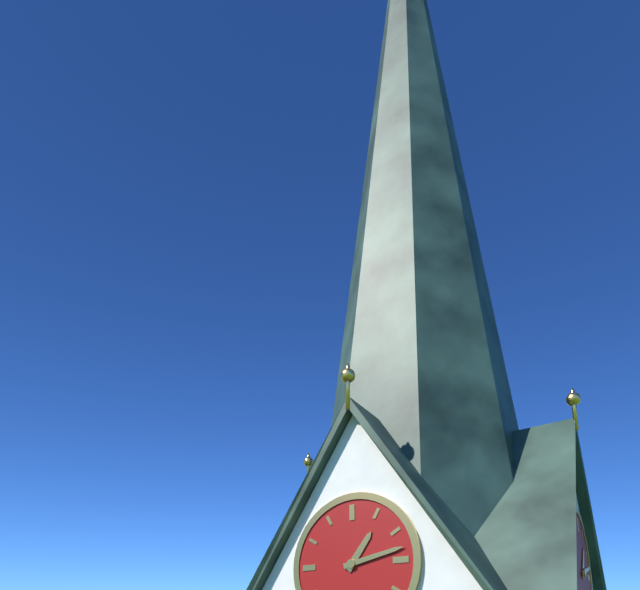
1:13
